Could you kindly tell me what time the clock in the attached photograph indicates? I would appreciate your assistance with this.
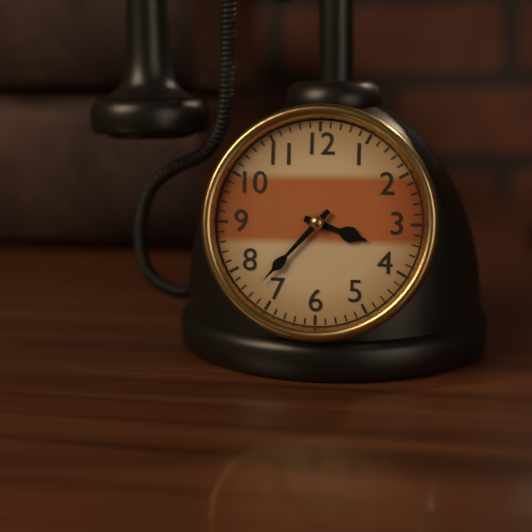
3:37
